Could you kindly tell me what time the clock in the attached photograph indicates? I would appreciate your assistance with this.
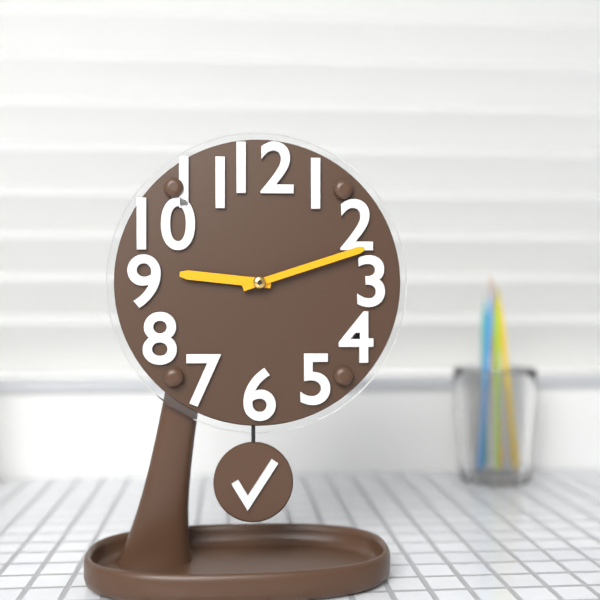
9:12
